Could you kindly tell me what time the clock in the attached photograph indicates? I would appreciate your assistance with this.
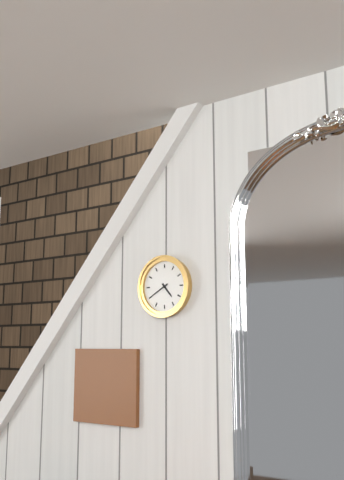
4:40
